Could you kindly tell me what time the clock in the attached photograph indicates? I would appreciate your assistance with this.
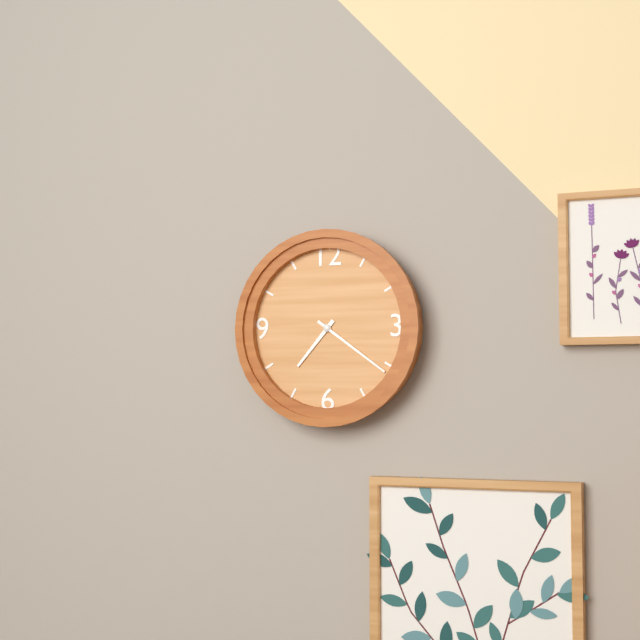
7:21
